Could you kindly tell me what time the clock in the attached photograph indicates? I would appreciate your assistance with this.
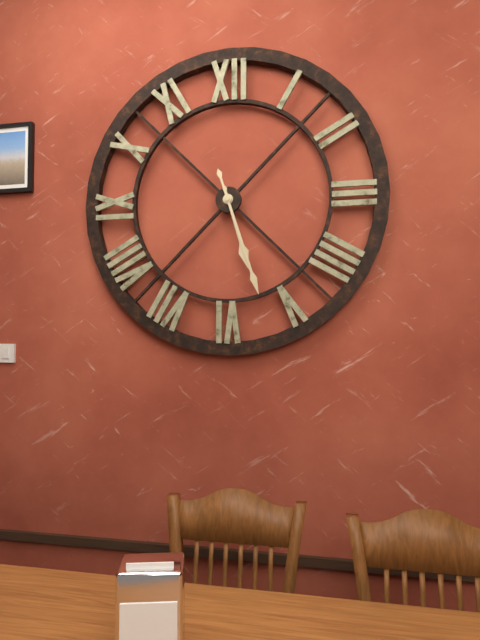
5:27
